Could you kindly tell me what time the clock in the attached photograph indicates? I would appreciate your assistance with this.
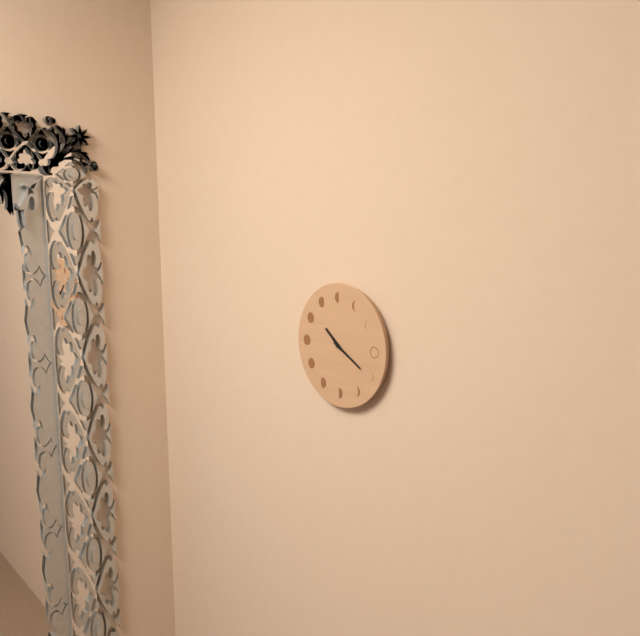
10:20
